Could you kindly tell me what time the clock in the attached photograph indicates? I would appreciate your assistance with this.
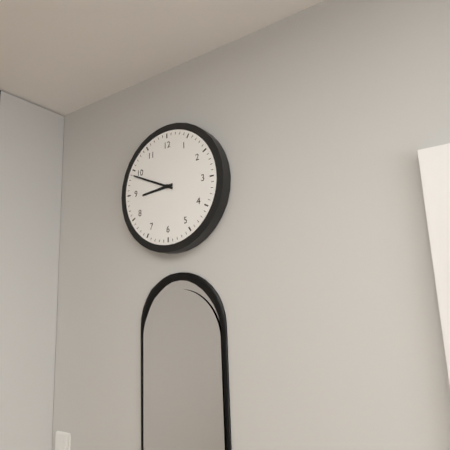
8:49
